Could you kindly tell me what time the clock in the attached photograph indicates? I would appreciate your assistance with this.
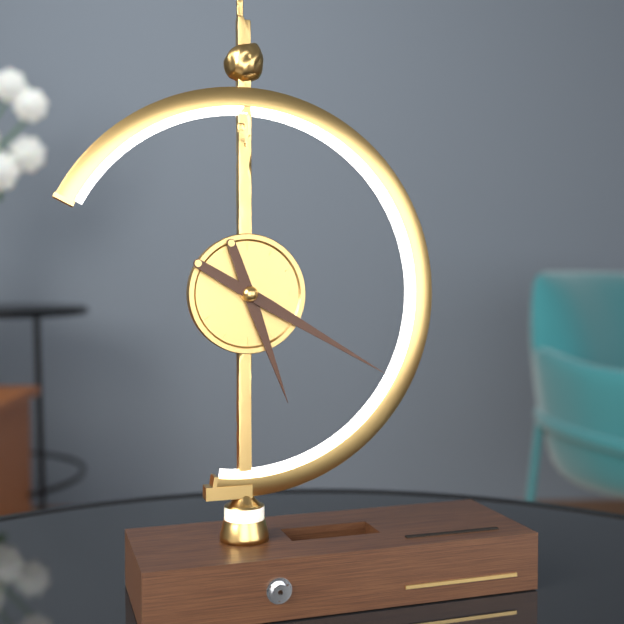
5:20
